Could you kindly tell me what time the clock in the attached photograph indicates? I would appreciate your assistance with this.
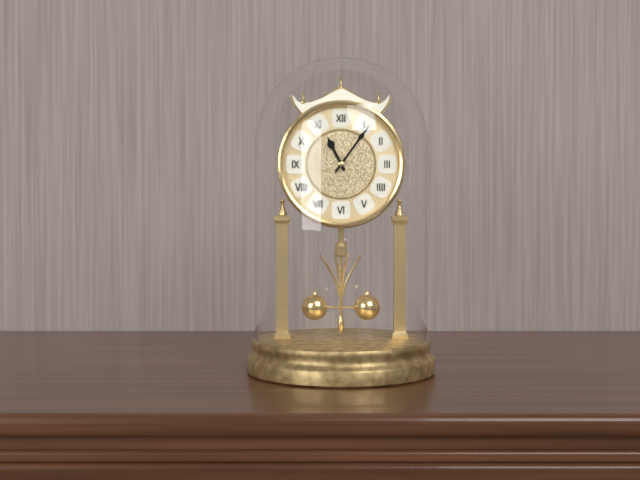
11:06
